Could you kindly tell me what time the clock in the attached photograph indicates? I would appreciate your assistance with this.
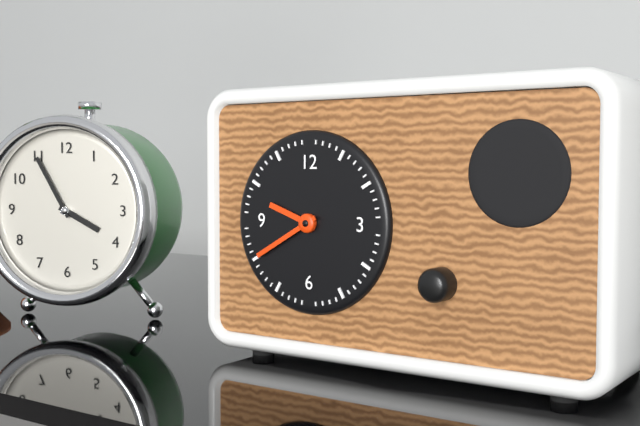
9:40
